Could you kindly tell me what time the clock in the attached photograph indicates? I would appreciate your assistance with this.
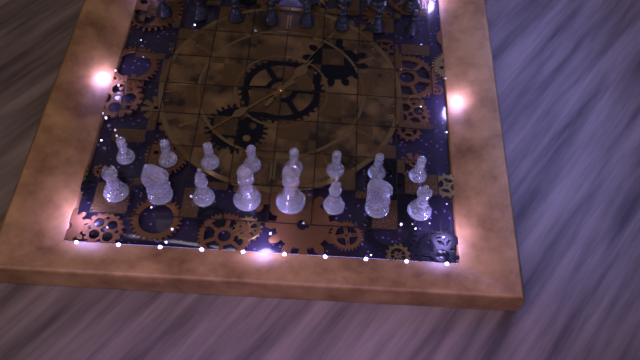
7:08:35
